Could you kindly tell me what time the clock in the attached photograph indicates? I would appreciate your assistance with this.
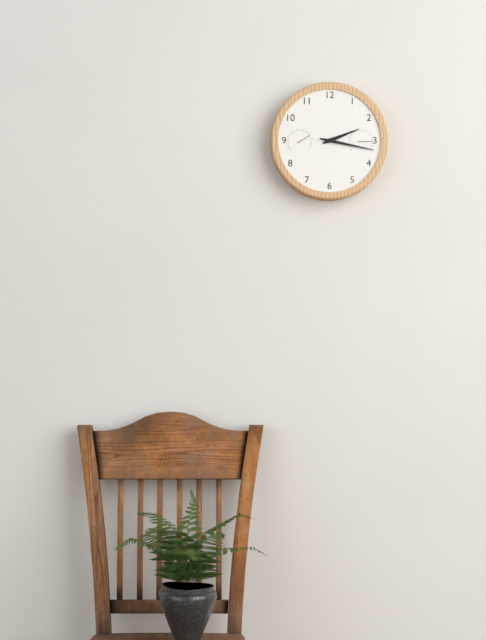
2:17
